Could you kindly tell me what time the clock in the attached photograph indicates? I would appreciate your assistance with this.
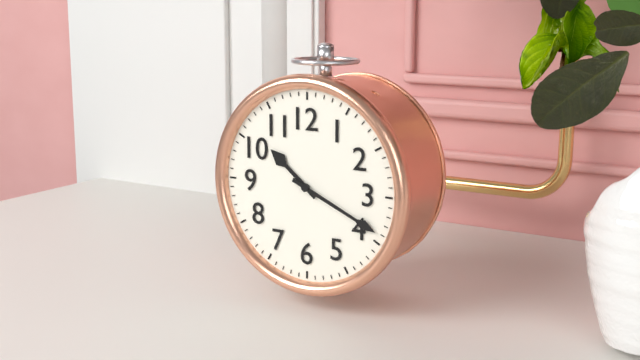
10:19
